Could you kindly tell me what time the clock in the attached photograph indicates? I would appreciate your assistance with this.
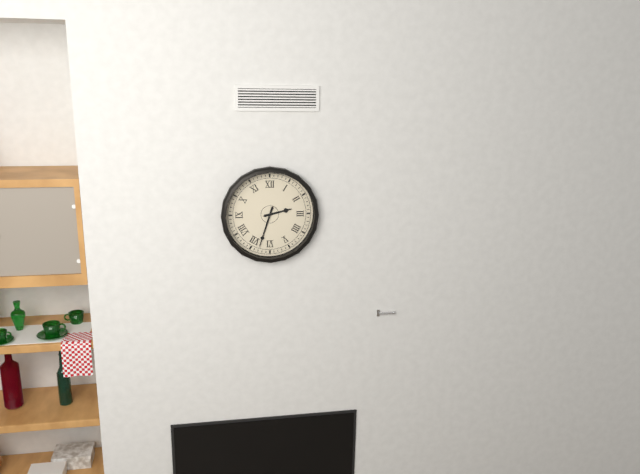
2:33
